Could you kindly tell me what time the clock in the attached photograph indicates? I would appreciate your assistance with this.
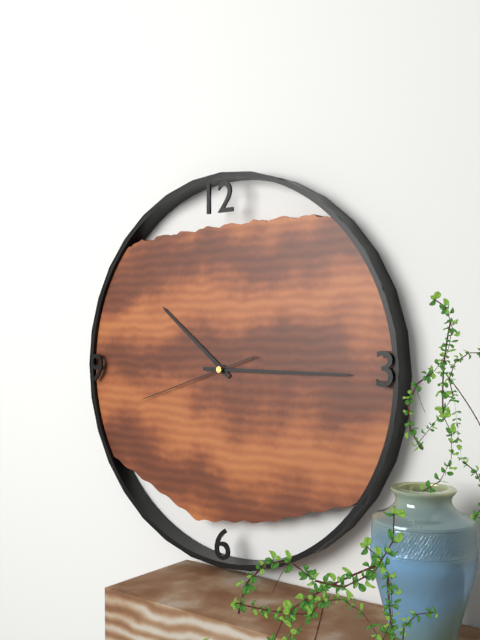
10:15:42
